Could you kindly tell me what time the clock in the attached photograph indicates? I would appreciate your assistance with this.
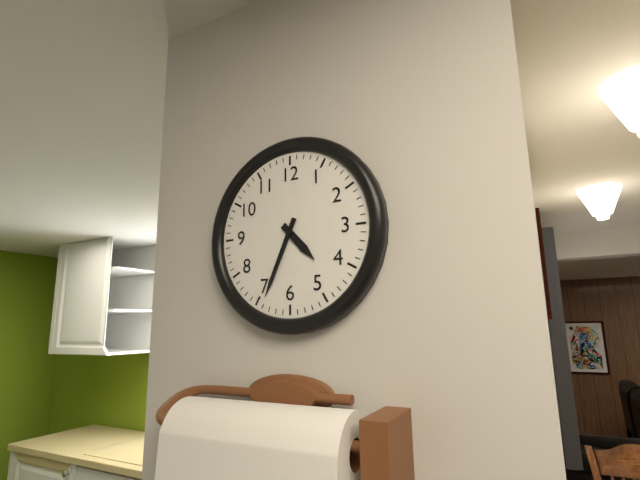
4:34
